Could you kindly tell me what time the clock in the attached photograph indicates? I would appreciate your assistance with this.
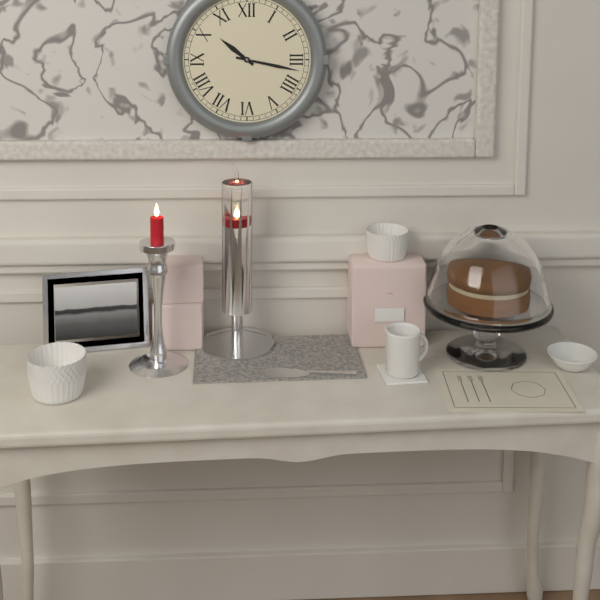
10:17
